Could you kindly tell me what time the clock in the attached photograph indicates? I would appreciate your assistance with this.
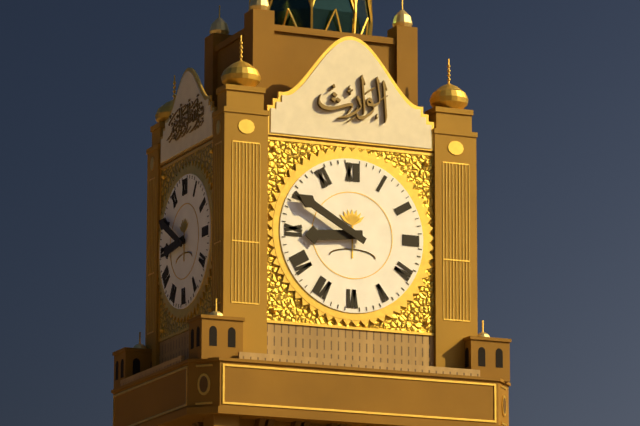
8:50
